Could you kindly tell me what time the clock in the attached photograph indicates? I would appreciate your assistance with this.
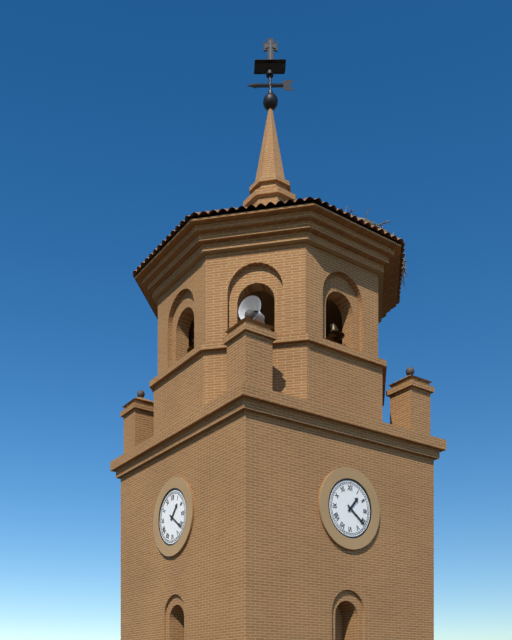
1:21
